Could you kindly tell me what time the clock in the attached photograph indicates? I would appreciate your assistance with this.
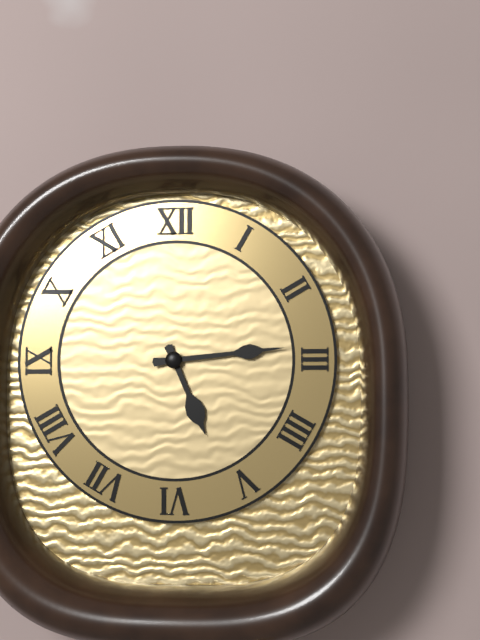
5:14
